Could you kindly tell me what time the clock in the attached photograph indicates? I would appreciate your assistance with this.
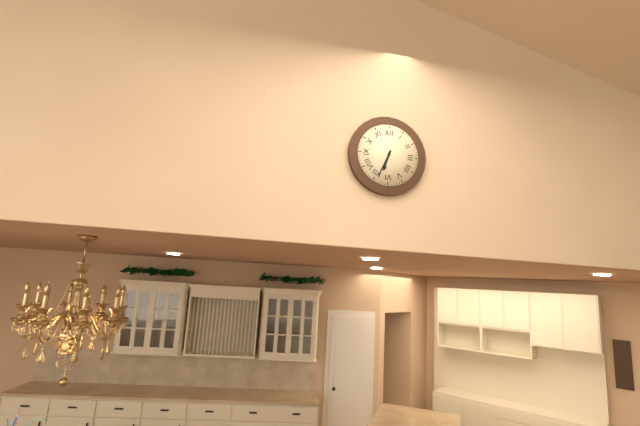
6:34
